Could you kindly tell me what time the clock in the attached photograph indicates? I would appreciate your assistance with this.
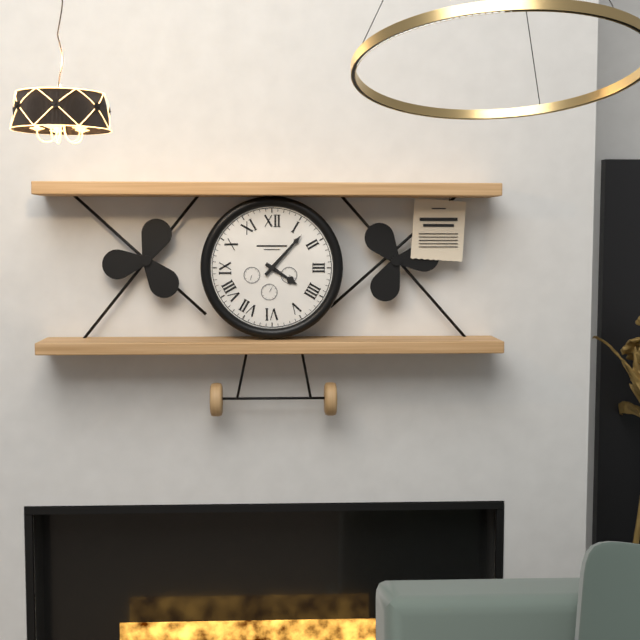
4:07
